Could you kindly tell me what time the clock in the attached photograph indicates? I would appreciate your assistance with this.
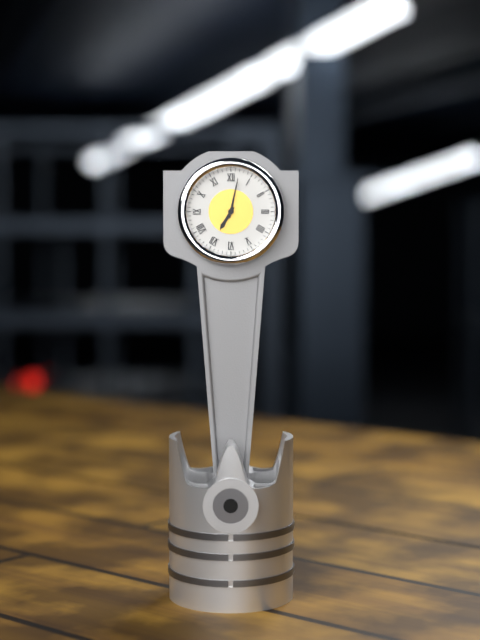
7:02
